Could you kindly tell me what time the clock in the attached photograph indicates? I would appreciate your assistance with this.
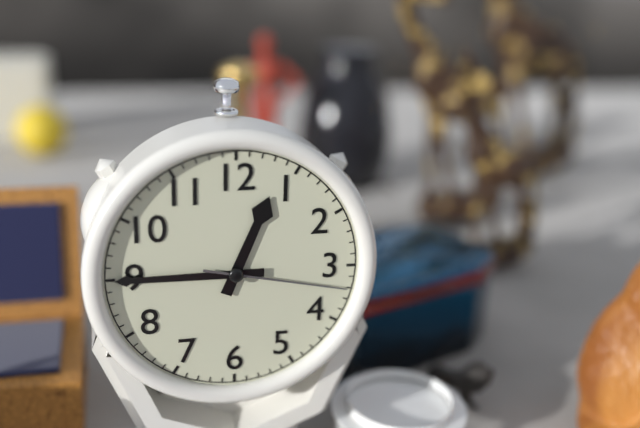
12:45:17
